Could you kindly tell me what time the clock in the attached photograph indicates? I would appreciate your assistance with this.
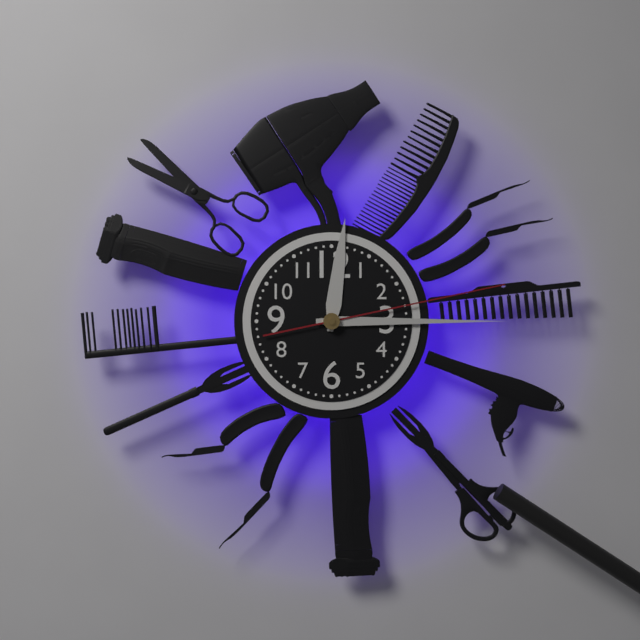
12:15:13
